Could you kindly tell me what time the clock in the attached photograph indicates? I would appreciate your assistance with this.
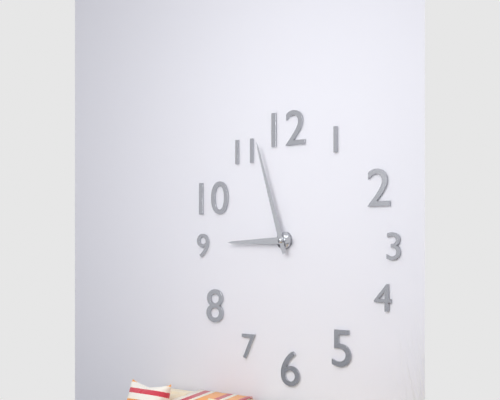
8:57
